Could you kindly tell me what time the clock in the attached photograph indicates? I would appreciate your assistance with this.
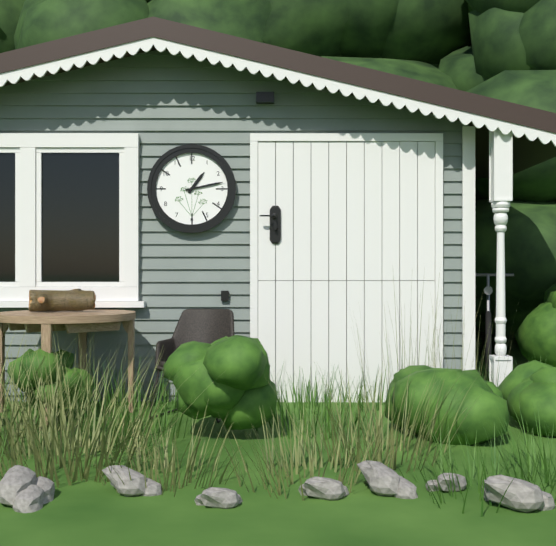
1:13
